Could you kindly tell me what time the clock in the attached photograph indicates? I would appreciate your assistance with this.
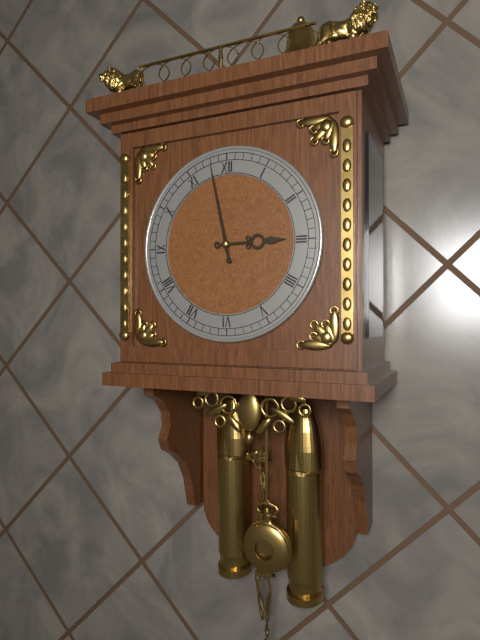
2:58
